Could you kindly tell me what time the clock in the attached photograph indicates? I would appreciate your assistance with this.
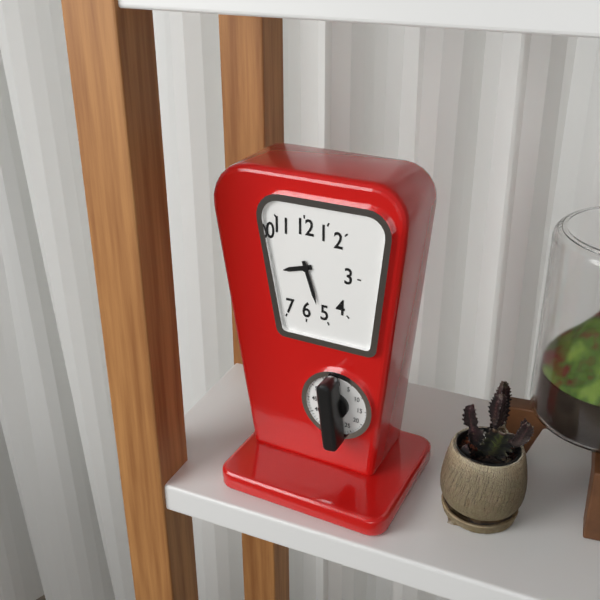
8:27
